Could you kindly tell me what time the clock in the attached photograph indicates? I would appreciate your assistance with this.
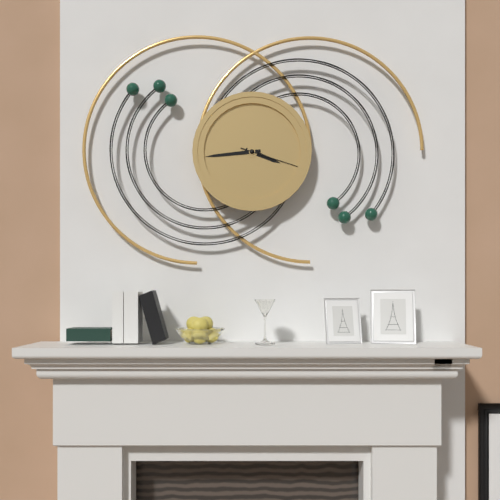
3:44:18
